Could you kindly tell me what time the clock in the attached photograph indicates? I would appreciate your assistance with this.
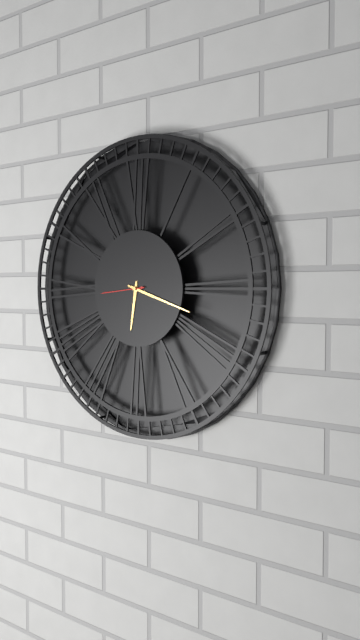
6:18:44
